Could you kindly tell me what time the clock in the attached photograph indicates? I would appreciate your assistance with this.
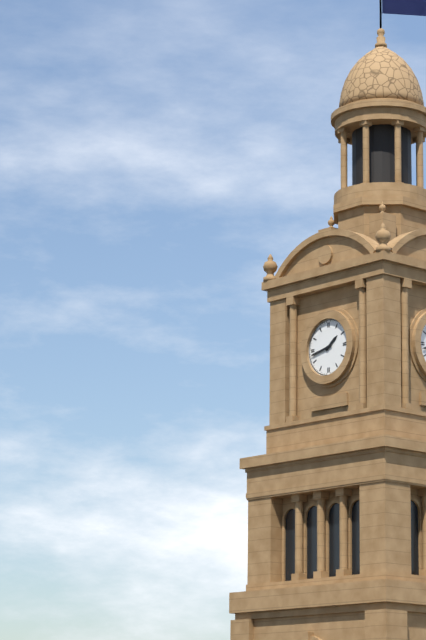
1:43
